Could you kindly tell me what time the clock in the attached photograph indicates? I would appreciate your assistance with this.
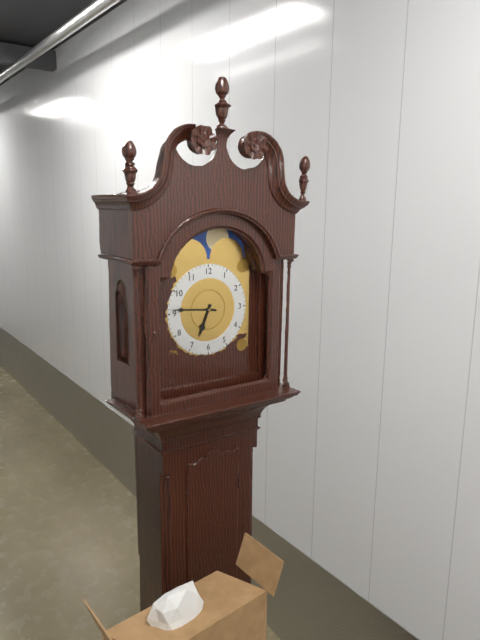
6:46
